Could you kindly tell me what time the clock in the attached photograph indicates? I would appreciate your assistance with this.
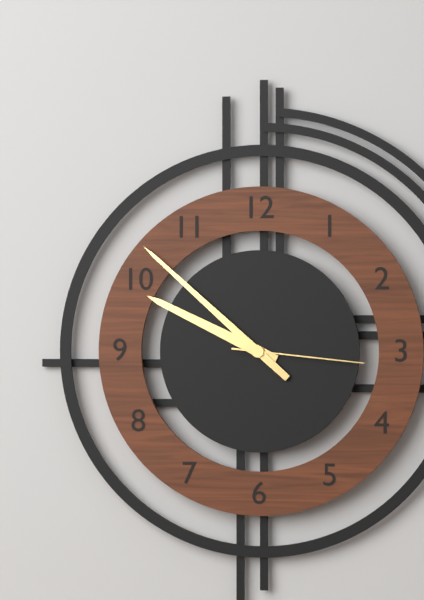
9:52:16
